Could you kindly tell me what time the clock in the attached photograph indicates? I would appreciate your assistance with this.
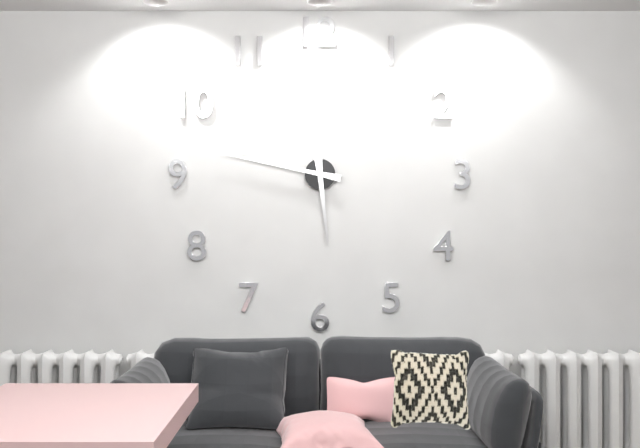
5:47
